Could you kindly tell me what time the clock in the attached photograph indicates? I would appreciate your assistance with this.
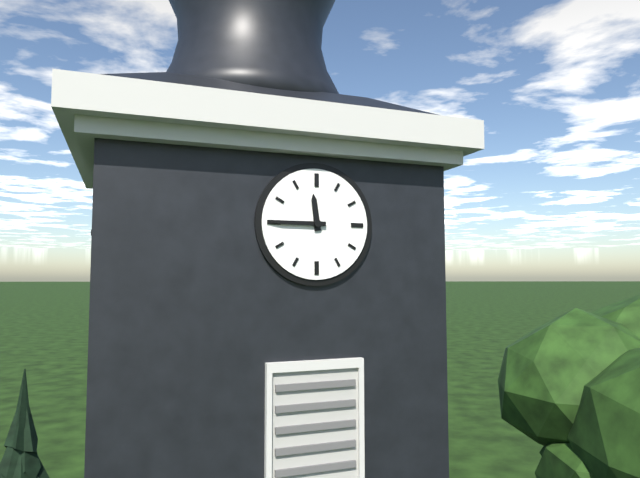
11:45
